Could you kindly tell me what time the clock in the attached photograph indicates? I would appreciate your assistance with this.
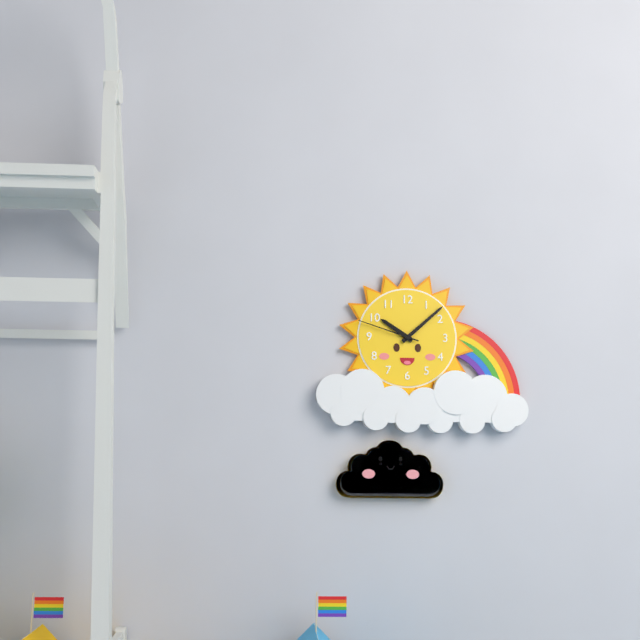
10:08:48
